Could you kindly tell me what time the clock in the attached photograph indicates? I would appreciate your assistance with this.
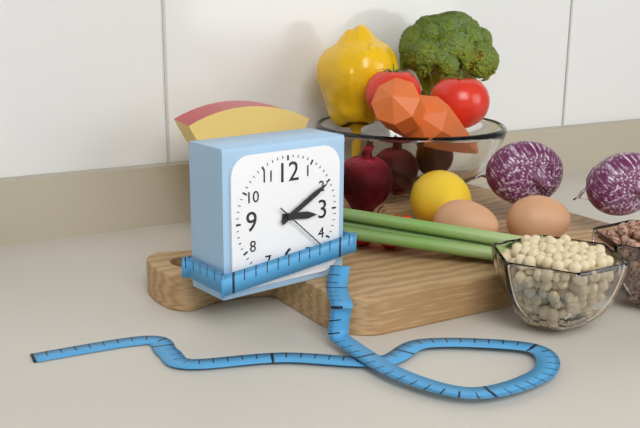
3:10:22
